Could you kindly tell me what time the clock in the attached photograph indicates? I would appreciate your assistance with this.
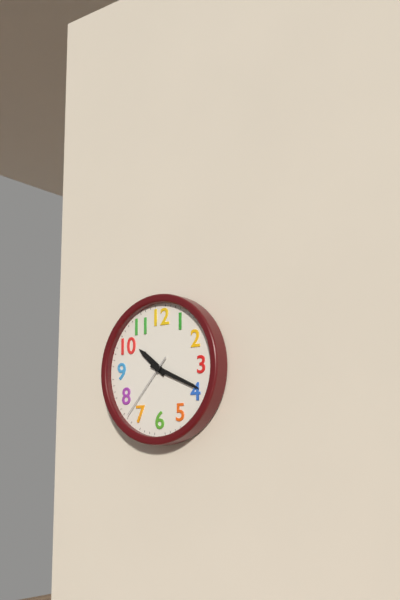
10:19:37
